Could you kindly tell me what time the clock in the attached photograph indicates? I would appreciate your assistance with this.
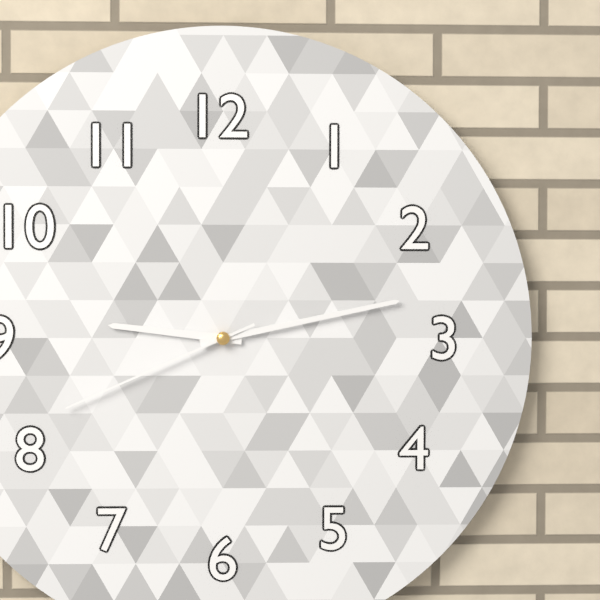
9:13:41
